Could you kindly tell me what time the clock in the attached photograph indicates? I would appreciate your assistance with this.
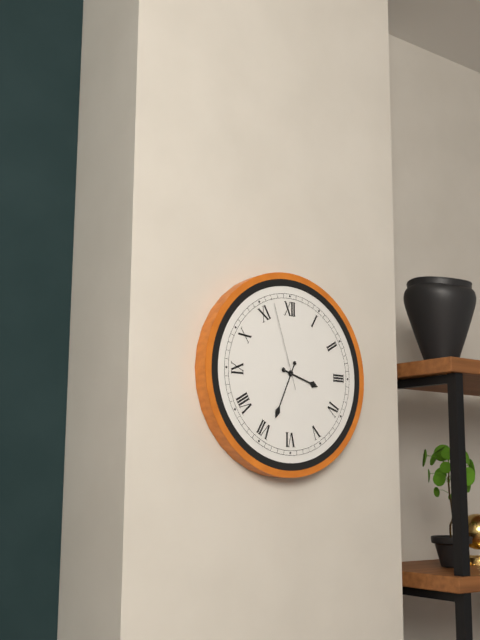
3:34:57
